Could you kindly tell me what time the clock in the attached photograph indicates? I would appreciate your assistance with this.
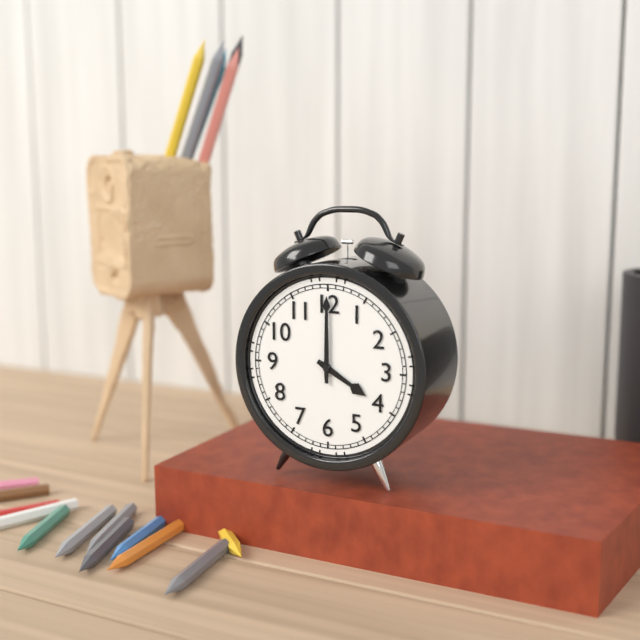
4:00
